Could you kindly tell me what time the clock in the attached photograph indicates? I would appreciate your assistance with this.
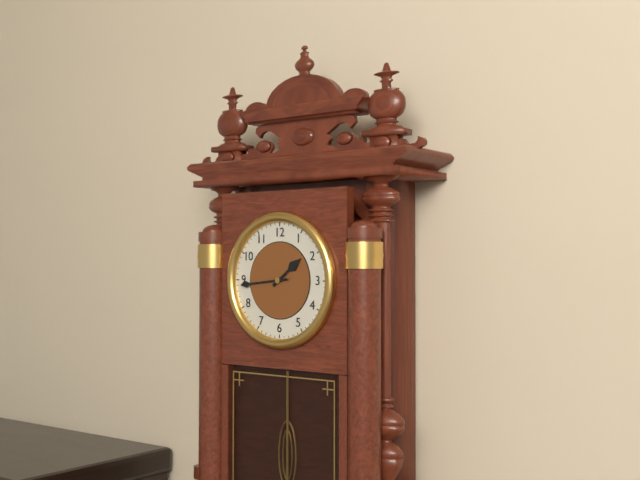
1:44
